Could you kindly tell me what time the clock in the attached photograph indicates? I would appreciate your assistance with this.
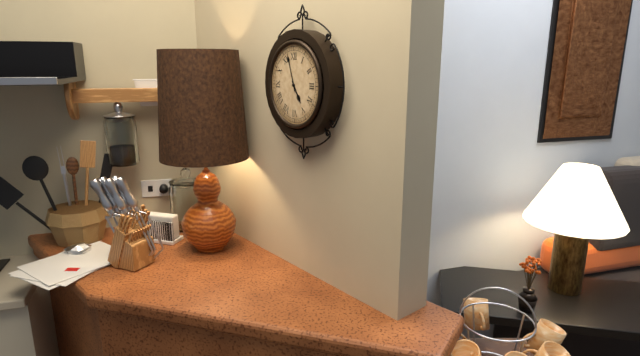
4:57
